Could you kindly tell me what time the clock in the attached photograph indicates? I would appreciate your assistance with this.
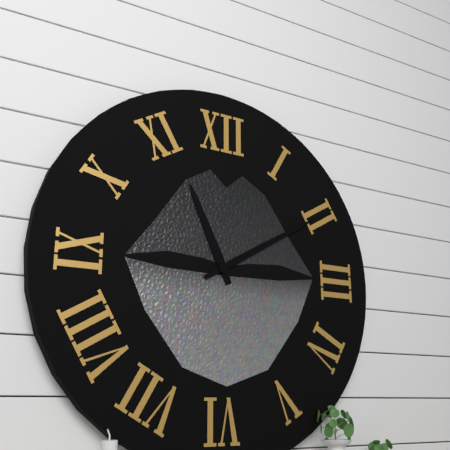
11:10
